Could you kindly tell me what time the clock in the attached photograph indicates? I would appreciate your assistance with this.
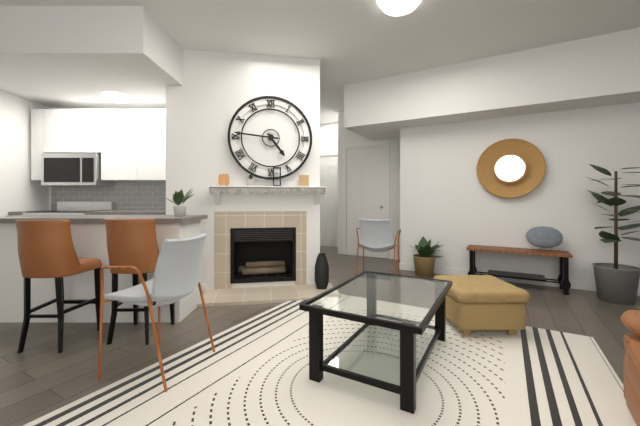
4:46
